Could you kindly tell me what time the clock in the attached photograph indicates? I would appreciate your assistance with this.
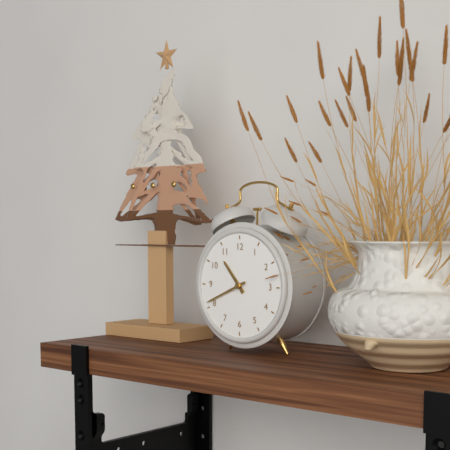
10:41
